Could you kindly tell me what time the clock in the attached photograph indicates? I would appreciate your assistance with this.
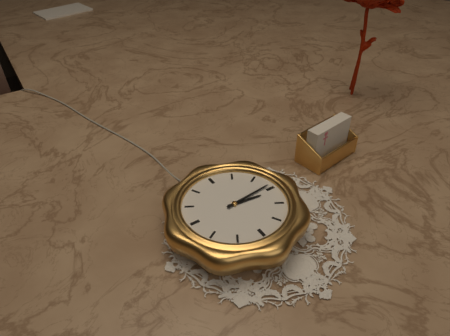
3:14
